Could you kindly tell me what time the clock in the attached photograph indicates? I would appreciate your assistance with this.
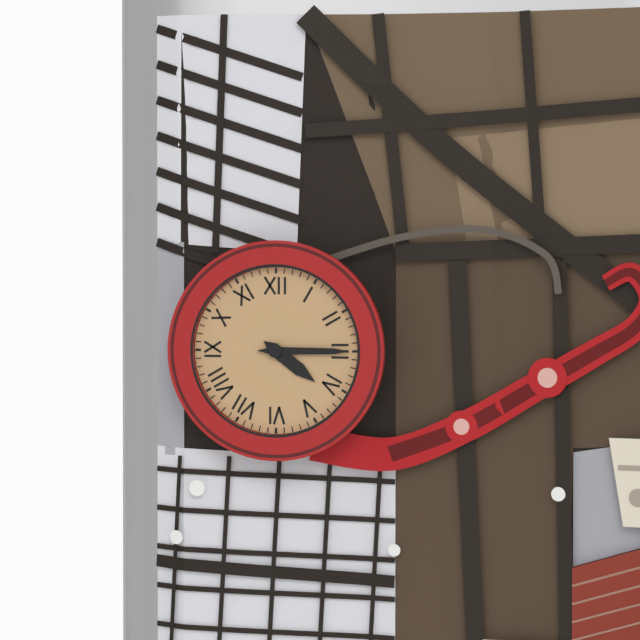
4:15
